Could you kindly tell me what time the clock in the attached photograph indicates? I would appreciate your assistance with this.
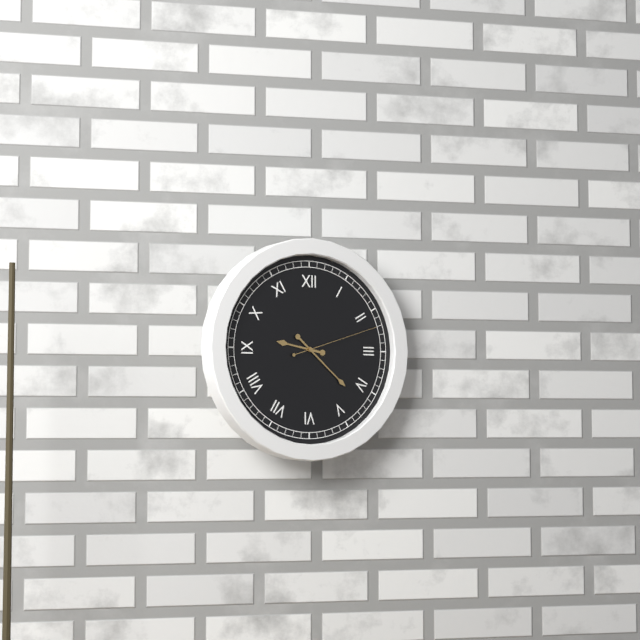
9:22:12
